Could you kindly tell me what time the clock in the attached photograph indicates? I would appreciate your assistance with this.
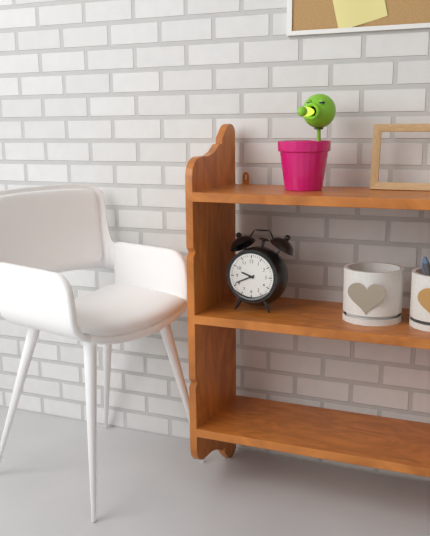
9:41
